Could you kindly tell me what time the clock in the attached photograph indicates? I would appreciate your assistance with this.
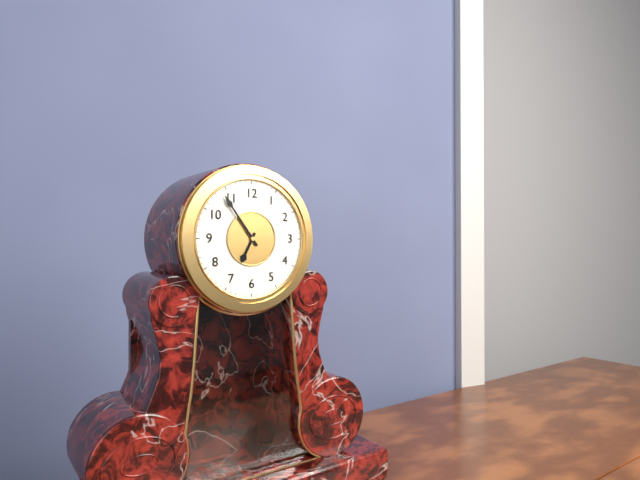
6:54
